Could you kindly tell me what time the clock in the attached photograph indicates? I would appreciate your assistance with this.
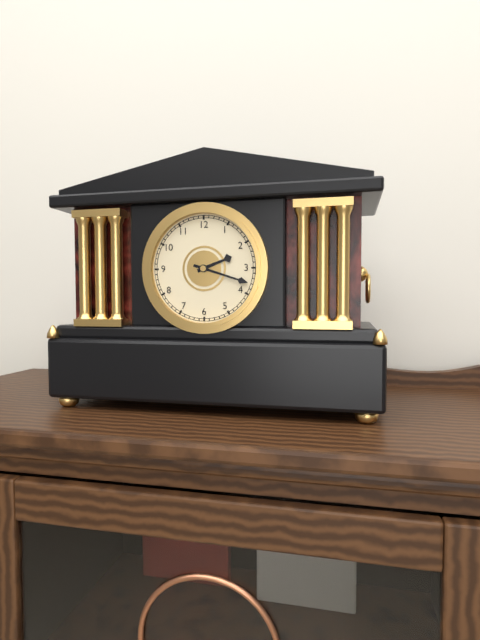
2:18
